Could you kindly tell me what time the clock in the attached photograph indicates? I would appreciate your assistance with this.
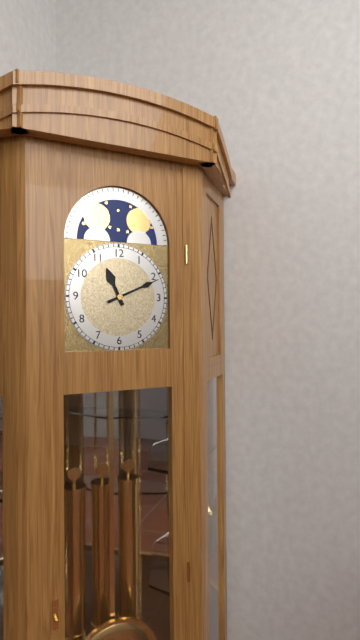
11:11
